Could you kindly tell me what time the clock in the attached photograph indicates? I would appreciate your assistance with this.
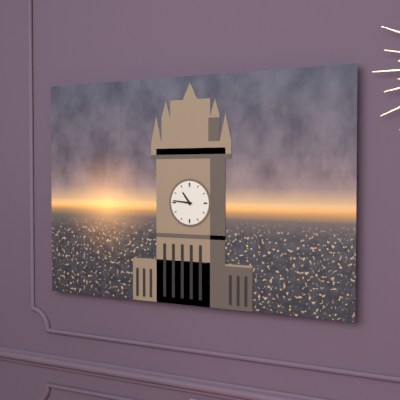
10:46
